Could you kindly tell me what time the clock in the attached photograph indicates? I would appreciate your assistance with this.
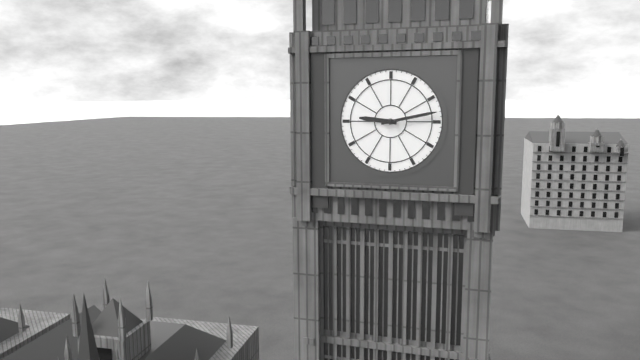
9:13
